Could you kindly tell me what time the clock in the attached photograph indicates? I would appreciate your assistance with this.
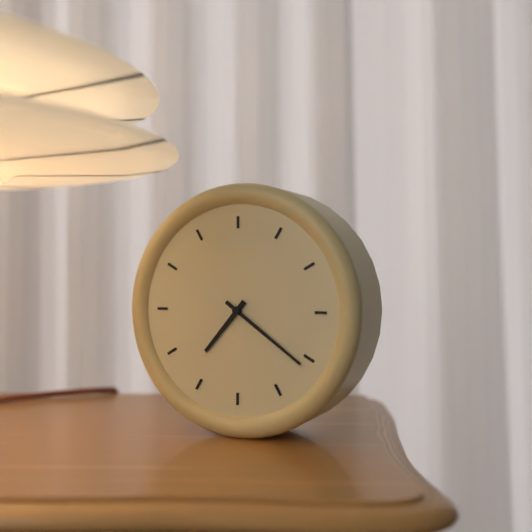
7:21
